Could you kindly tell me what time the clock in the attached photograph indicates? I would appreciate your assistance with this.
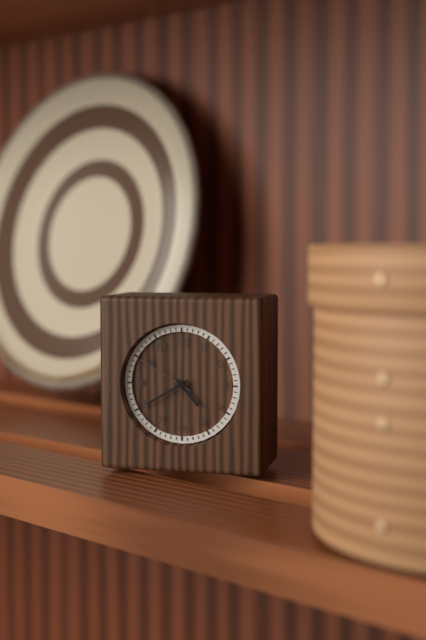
4:40:50
